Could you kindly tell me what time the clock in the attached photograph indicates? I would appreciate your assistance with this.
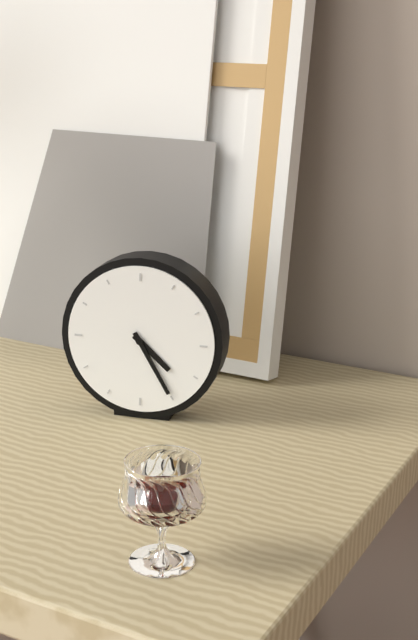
4:25
